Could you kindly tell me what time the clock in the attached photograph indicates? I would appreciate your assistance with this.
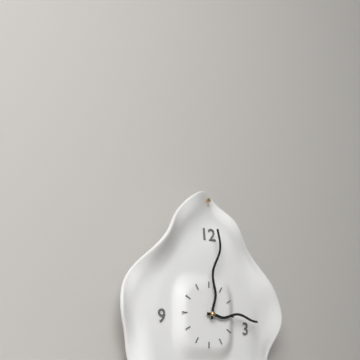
3:01
